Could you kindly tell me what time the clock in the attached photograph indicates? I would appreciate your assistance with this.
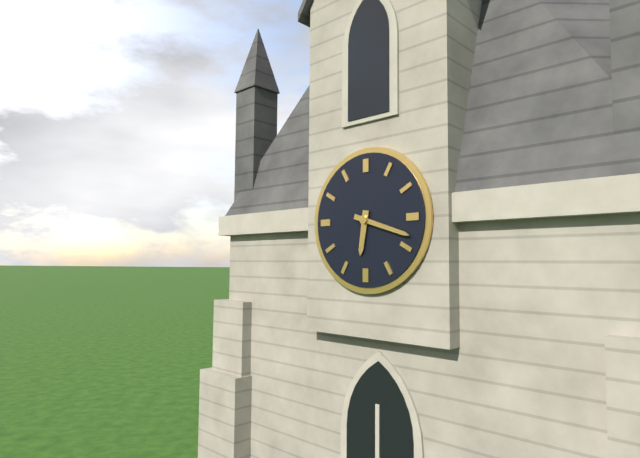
6:18
